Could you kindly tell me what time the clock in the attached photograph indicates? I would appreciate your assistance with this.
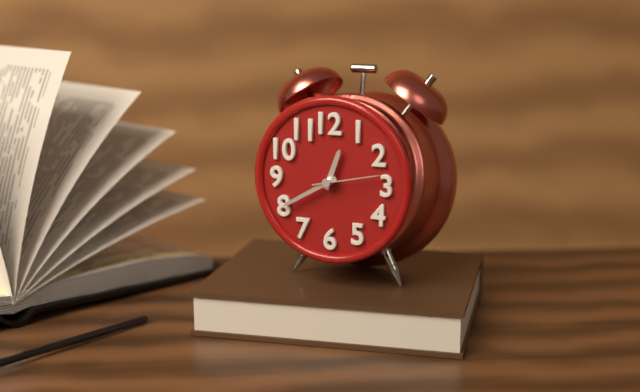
12:40:13
